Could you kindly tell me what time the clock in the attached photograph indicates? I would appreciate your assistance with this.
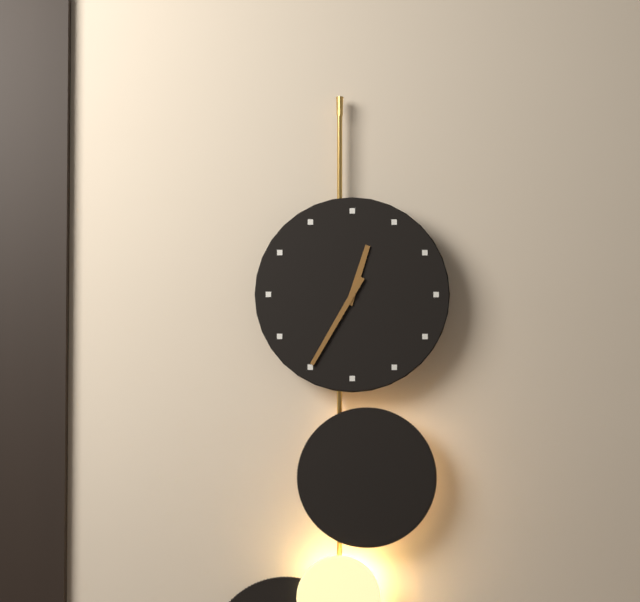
12:35
